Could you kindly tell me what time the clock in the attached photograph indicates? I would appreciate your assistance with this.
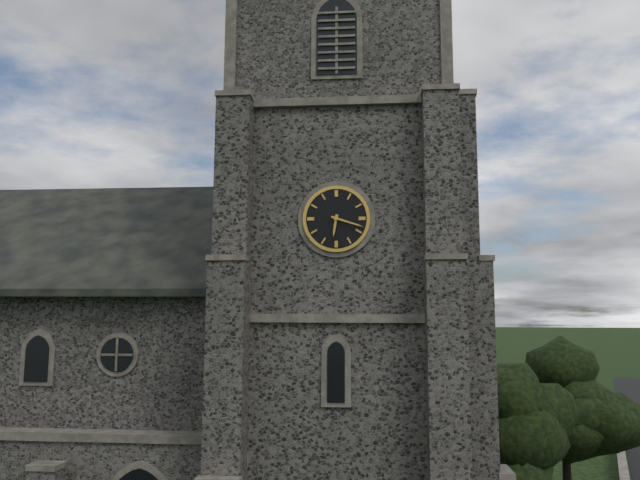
6:18
